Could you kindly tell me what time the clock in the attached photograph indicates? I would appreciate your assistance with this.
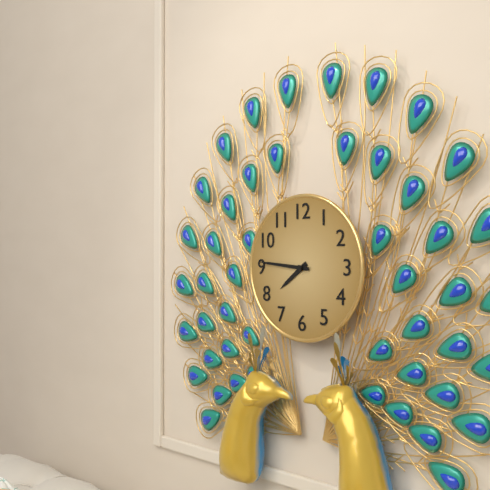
7:46
